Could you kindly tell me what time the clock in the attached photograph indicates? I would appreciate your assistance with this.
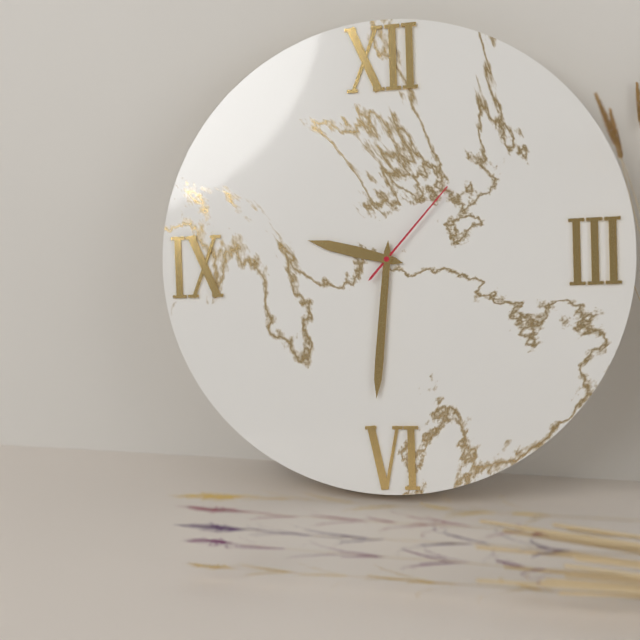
9:31:07
